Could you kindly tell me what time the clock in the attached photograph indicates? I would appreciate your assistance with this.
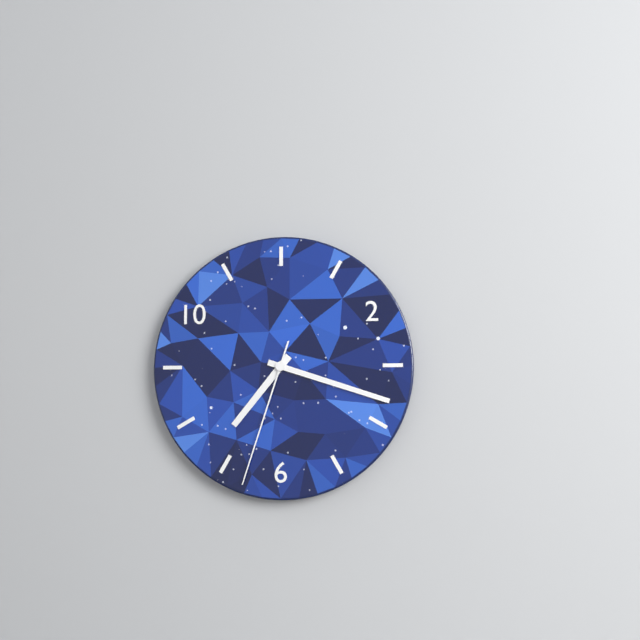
7:18:33
